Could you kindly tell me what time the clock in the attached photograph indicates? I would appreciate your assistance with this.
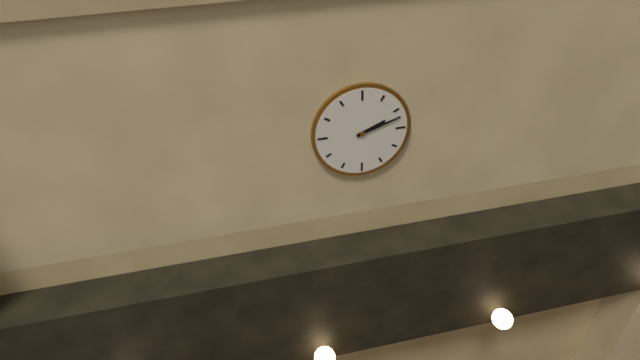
2:12
